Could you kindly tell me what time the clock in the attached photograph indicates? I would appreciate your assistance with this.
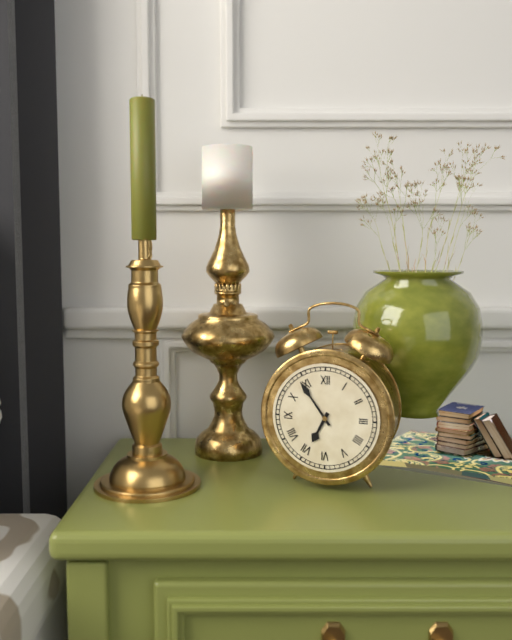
6:54
